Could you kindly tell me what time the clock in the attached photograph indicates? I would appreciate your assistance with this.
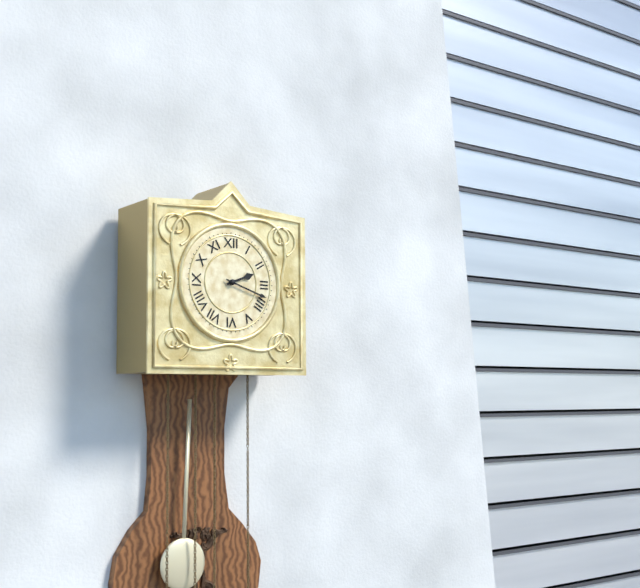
2:18
